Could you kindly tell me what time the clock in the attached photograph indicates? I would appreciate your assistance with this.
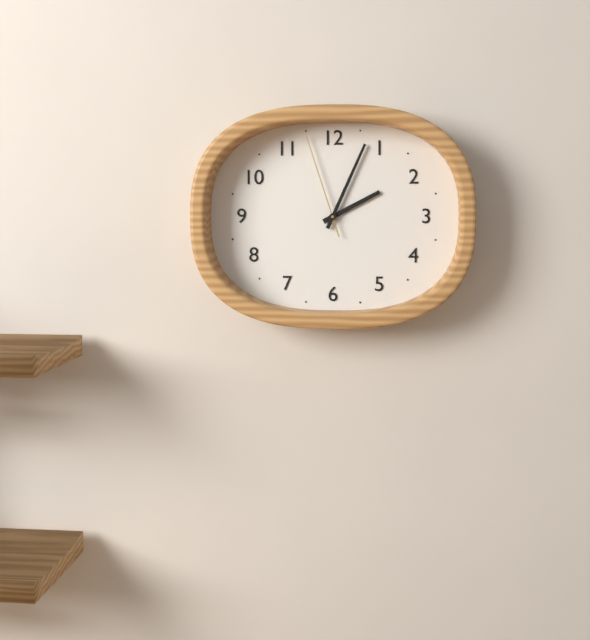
2:04:57
